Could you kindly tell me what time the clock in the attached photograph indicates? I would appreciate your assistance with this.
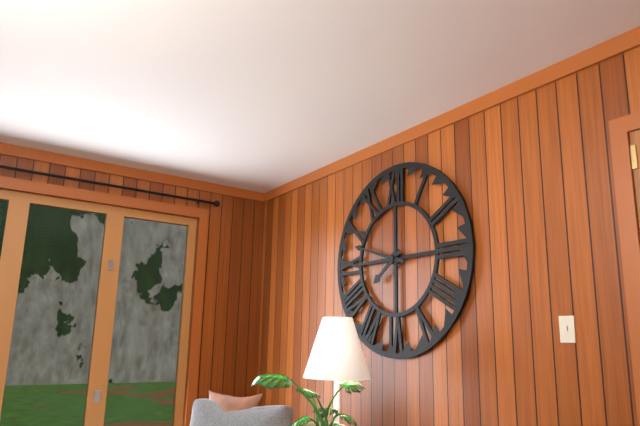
7:48
